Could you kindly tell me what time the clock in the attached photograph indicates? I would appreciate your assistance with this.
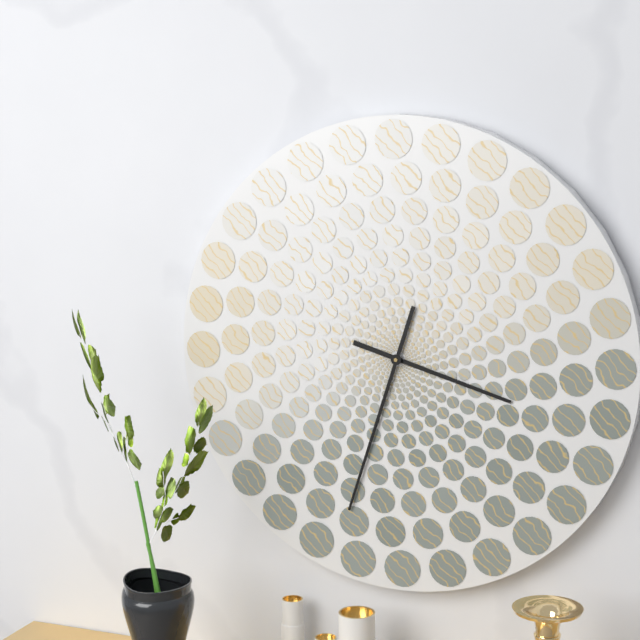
3:33
